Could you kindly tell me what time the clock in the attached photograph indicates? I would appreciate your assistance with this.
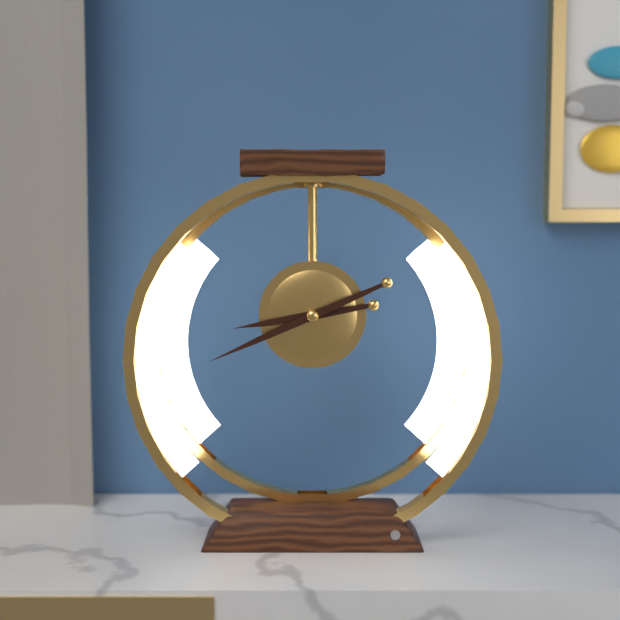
8:41
